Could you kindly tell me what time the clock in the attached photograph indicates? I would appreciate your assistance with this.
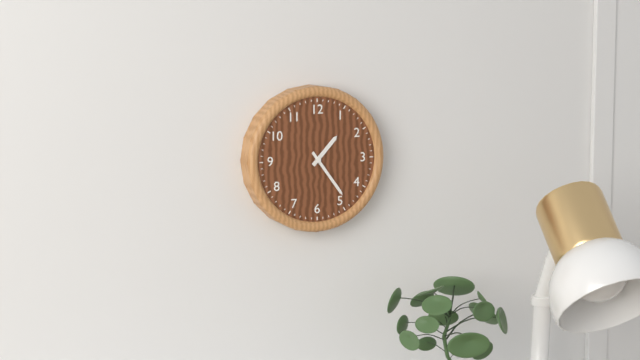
1:24
